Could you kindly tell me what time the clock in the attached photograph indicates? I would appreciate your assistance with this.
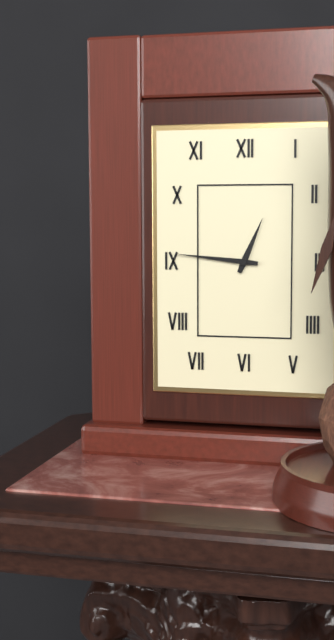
12:46
